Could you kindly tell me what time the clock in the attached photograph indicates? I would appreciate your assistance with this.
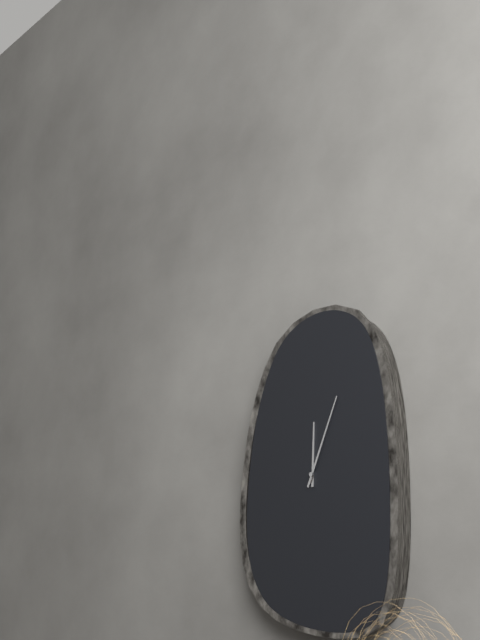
12:04
